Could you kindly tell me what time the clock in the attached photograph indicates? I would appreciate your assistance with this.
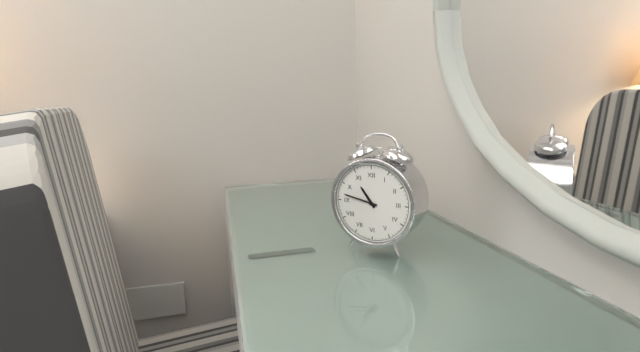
10:47
